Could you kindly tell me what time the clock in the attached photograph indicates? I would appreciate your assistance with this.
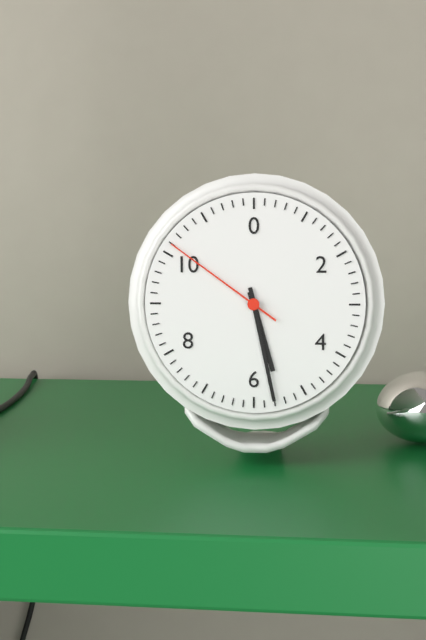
5:28:51
